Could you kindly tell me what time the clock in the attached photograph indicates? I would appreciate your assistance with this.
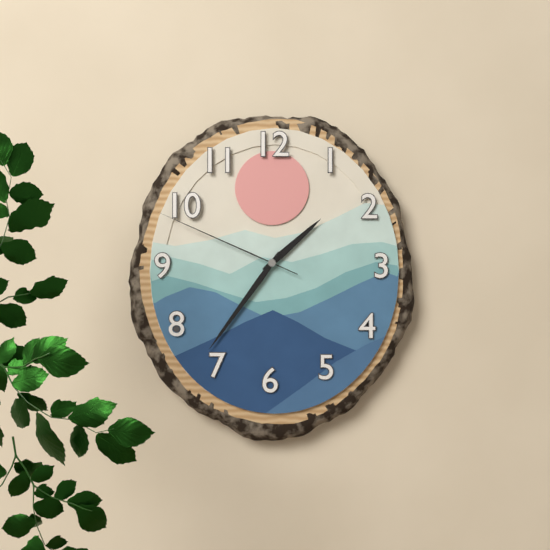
1:36:49
